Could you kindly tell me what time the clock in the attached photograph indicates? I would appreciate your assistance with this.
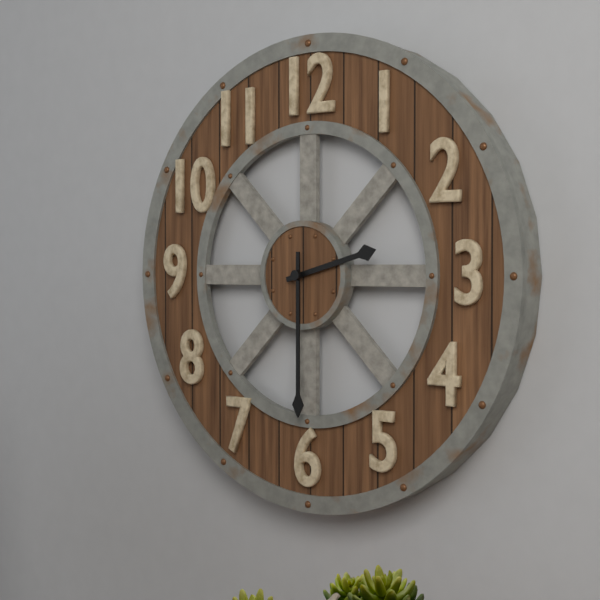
2:30
